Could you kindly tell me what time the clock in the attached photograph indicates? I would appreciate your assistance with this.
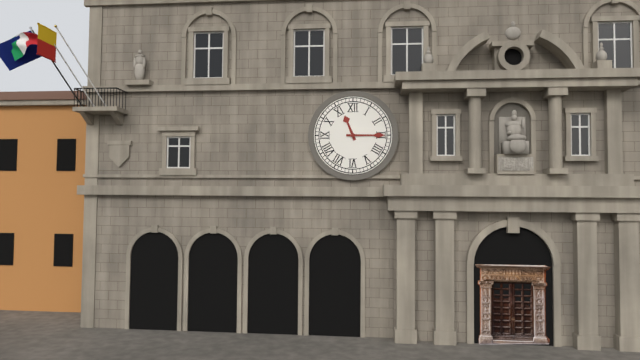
11:15
